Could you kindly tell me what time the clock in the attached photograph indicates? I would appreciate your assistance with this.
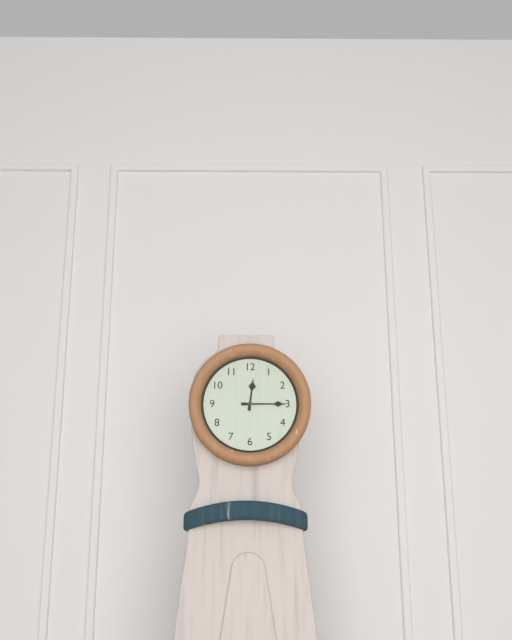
12:15
